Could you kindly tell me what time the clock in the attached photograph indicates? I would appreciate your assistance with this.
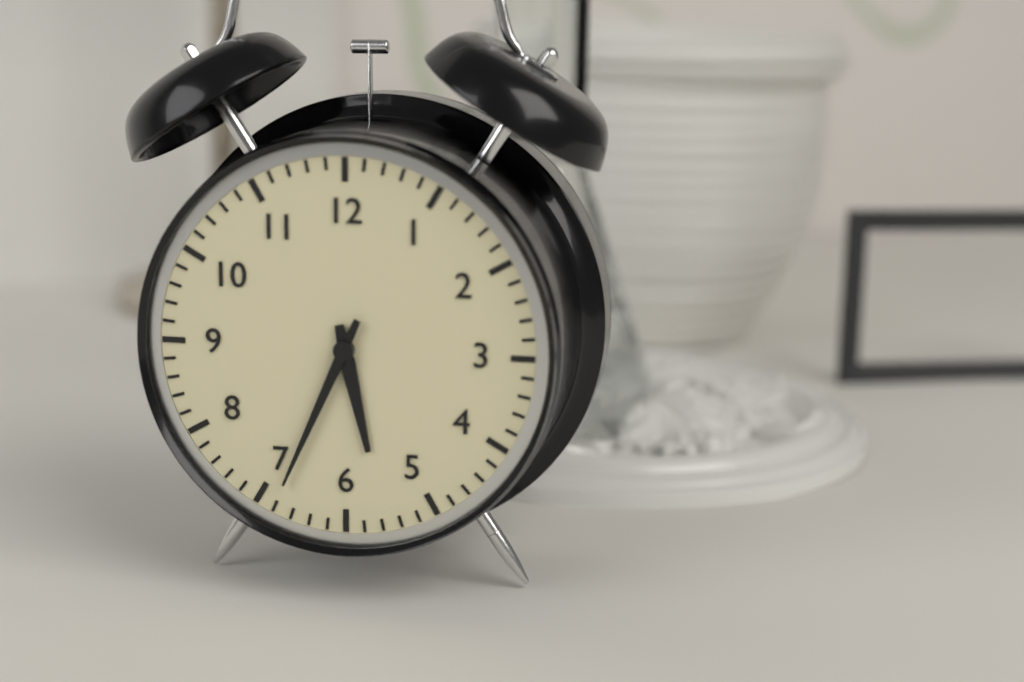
5:34
